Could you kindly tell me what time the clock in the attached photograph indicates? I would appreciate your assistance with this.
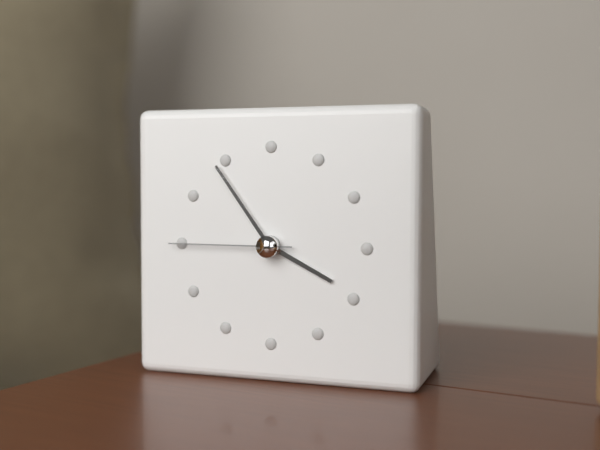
3:54:45
